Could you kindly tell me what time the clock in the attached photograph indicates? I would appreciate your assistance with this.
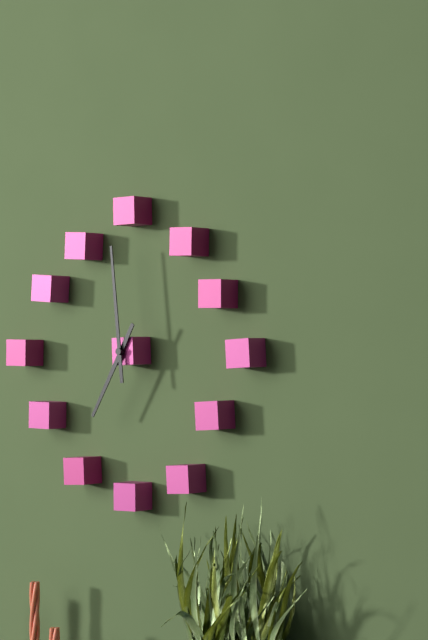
6:59
